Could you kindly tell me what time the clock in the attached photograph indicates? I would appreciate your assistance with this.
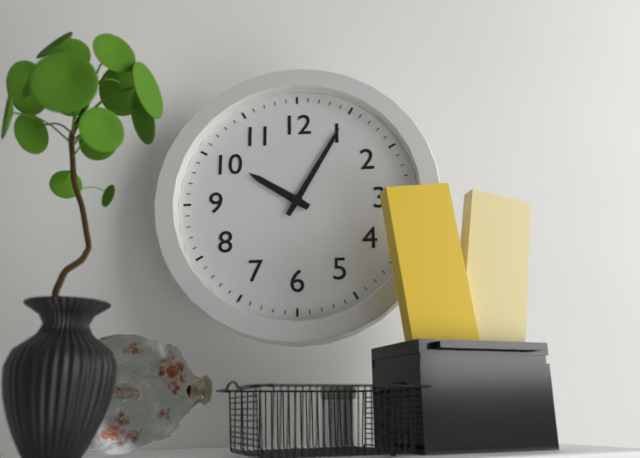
10:05
